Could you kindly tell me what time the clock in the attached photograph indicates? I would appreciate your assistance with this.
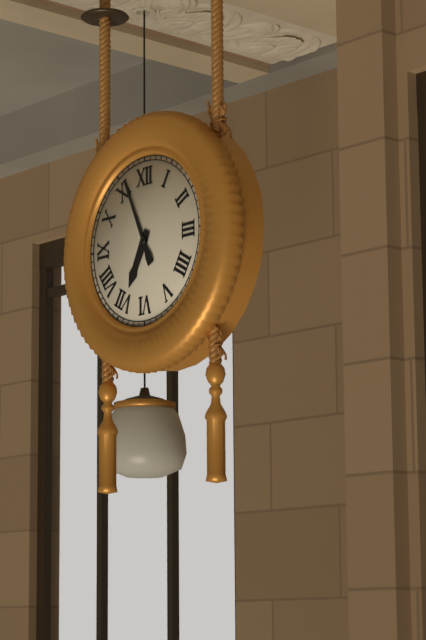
6:56
